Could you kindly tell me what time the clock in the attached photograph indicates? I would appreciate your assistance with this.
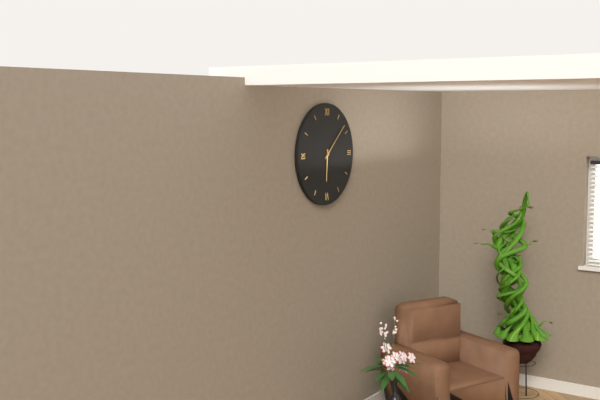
6:08
